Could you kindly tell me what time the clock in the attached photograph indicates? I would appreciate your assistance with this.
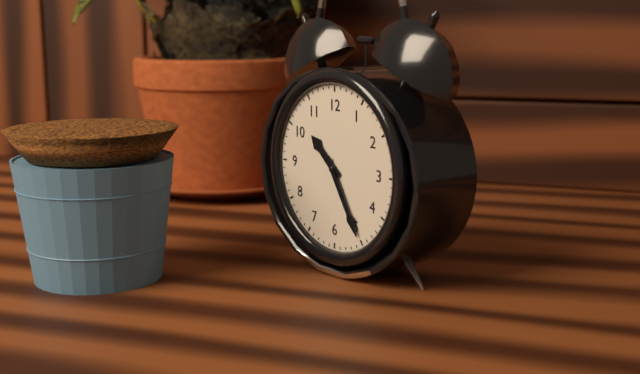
10:25
